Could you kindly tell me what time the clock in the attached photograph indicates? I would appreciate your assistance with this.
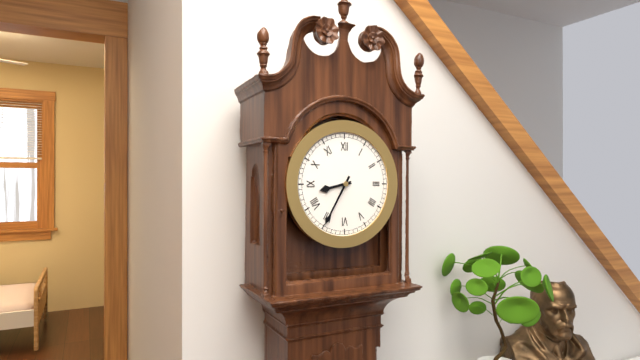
8:35
